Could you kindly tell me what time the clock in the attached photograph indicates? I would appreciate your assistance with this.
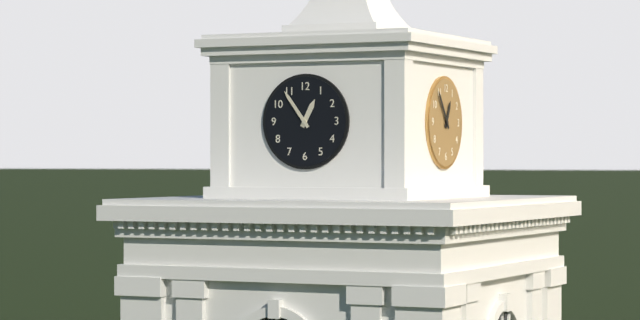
12:54
